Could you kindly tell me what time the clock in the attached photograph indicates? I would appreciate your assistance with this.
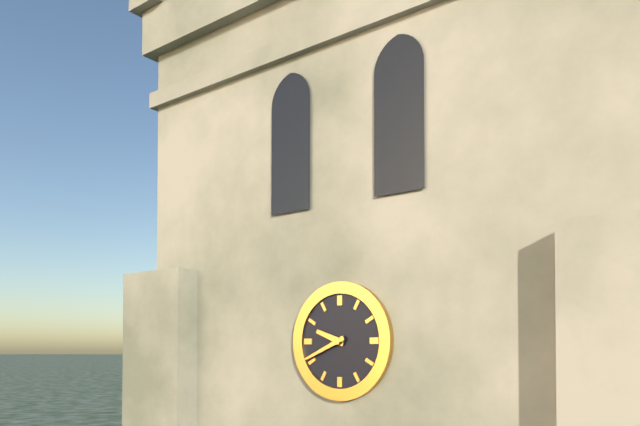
9:41
